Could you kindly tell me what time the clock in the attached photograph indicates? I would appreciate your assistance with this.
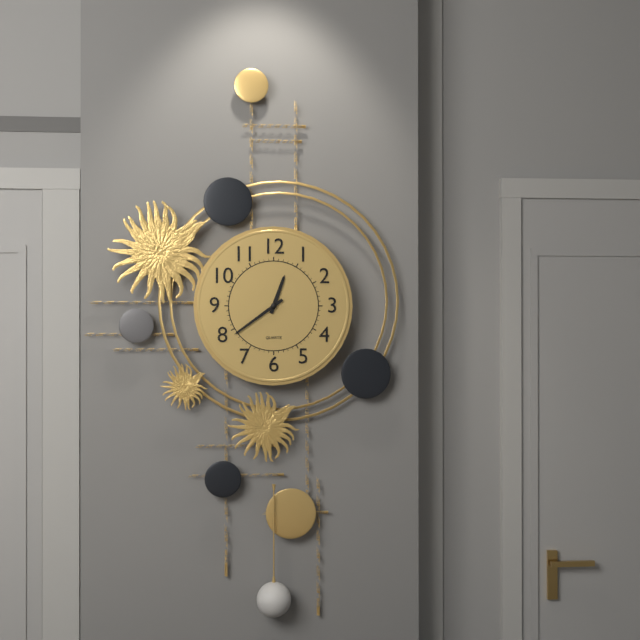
12:39
